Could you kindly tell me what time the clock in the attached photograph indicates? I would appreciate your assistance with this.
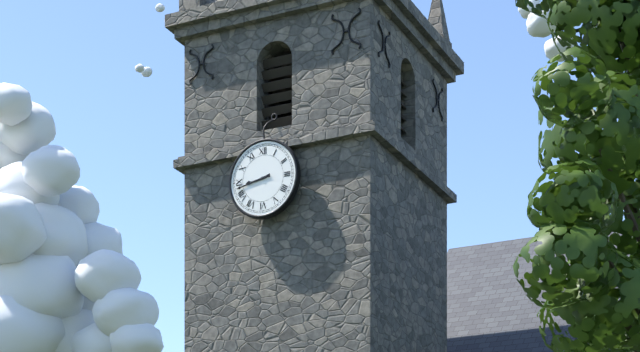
8:43
